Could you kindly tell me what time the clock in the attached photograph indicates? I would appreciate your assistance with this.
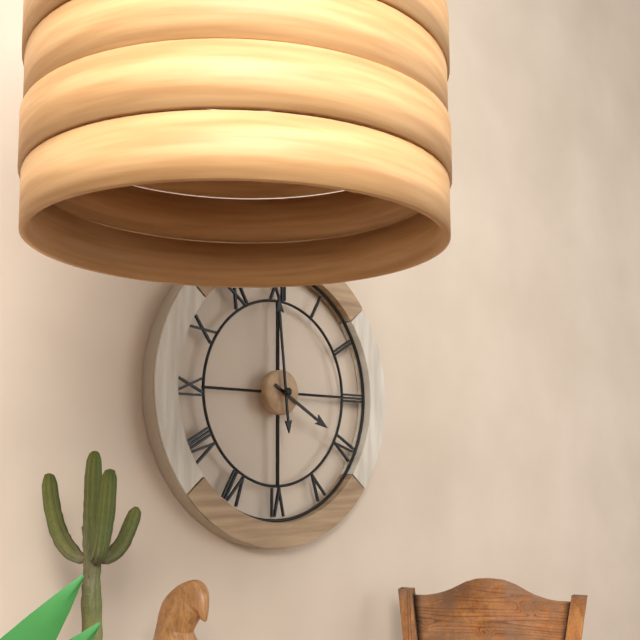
3:59
